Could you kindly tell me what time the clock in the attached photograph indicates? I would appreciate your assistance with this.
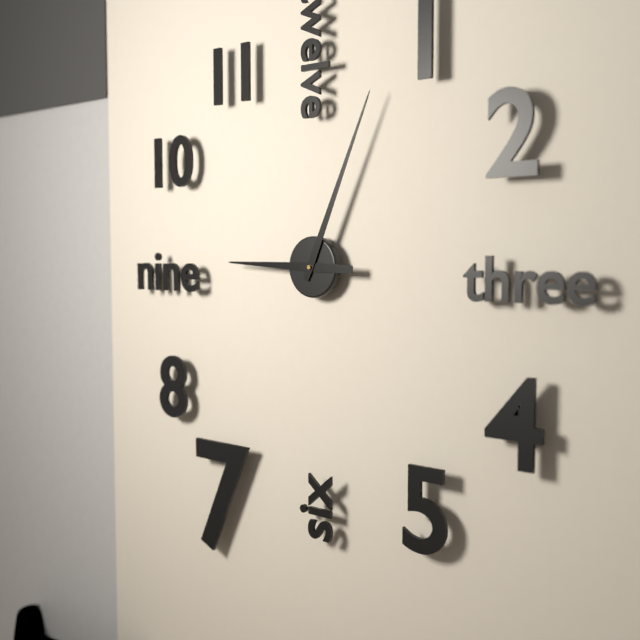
9:04
